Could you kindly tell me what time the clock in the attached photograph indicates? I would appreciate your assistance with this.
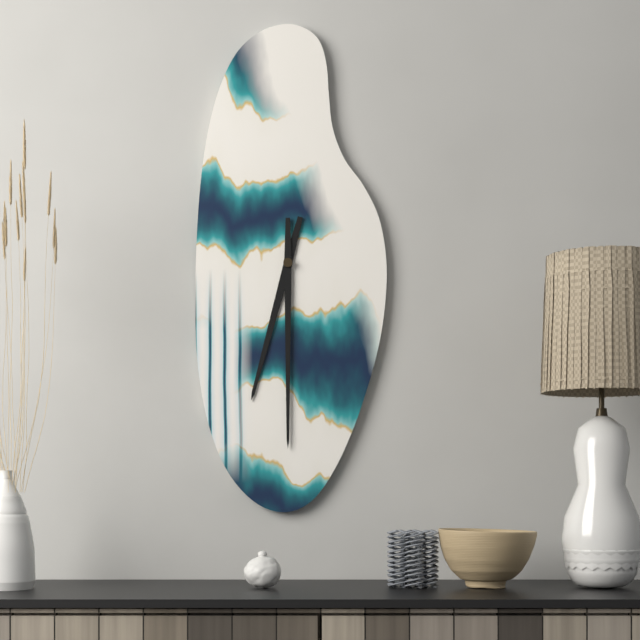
6:30
